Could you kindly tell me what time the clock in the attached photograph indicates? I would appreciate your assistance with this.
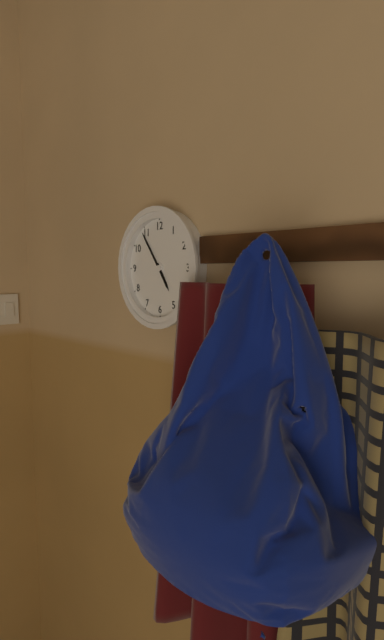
4:54
